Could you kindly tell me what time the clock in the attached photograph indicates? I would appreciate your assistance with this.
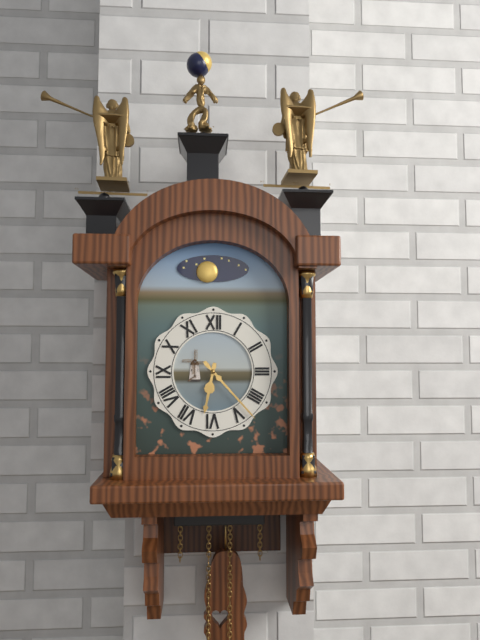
6:23
